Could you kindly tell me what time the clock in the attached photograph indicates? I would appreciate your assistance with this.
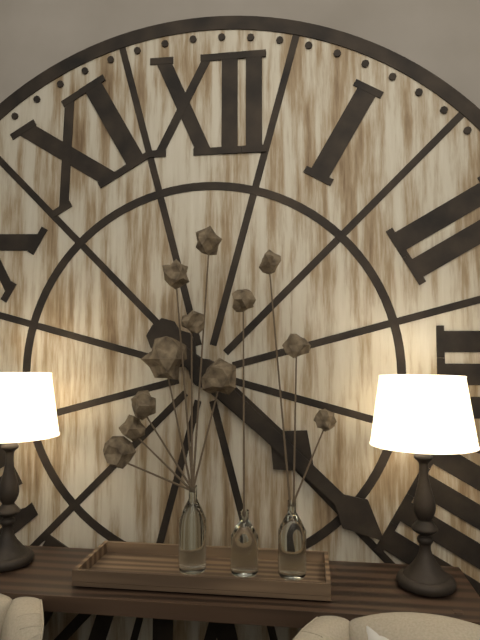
4:22
